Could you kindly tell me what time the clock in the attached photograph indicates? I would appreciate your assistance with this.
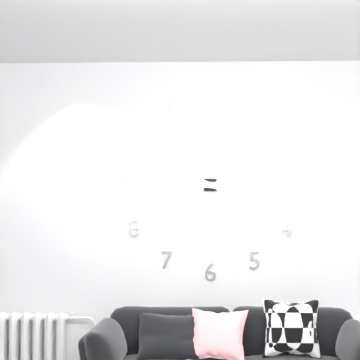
3:43
